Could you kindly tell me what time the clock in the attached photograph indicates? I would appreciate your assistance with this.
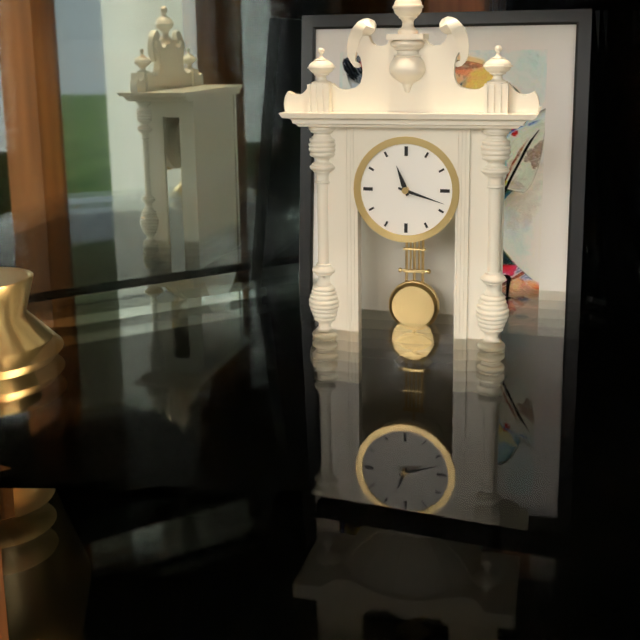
11:18
